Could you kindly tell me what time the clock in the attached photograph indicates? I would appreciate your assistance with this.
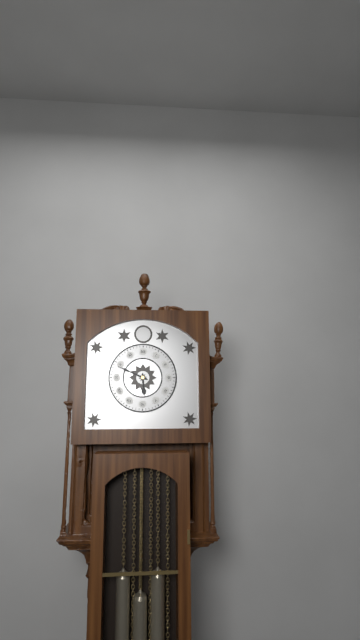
5:49
